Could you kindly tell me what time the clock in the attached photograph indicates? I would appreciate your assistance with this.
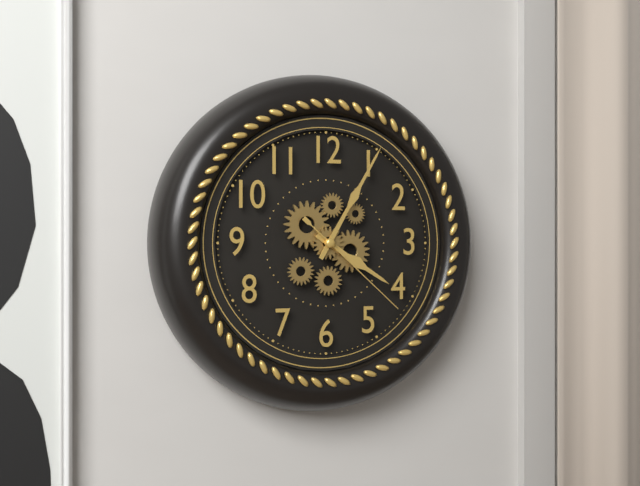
4:05:22
